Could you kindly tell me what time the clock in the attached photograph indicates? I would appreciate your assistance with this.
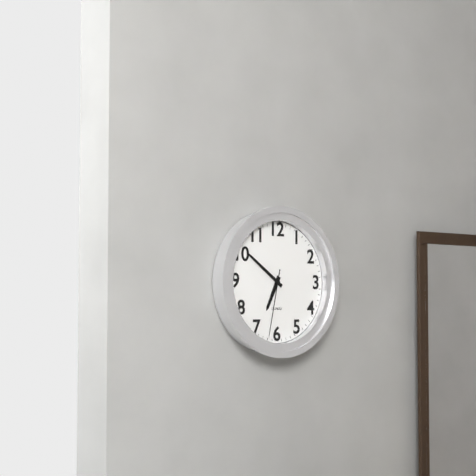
6:51:32
